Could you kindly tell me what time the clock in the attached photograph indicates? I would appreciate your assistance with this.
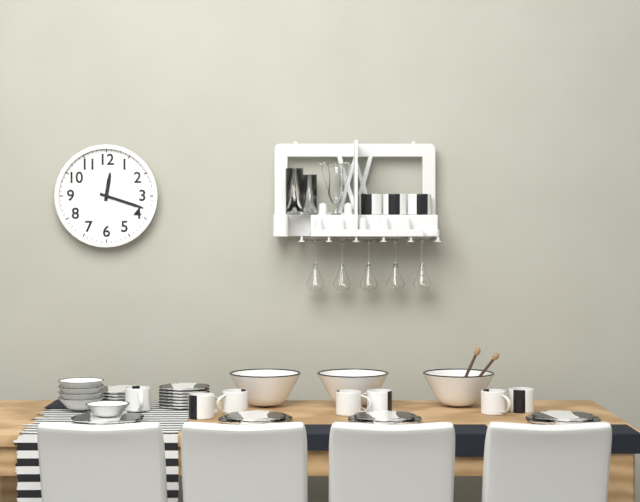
12:18
